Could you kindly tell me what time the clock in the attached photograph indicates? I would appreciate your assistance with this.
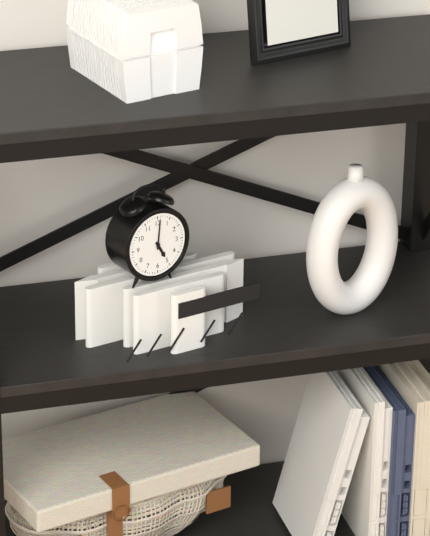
5:01
